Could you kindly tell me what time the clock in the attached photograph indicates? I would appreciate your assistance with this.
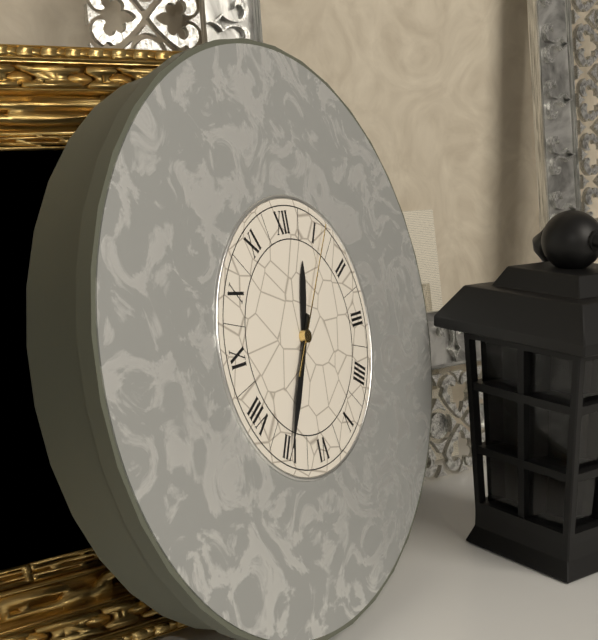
12:35:06
